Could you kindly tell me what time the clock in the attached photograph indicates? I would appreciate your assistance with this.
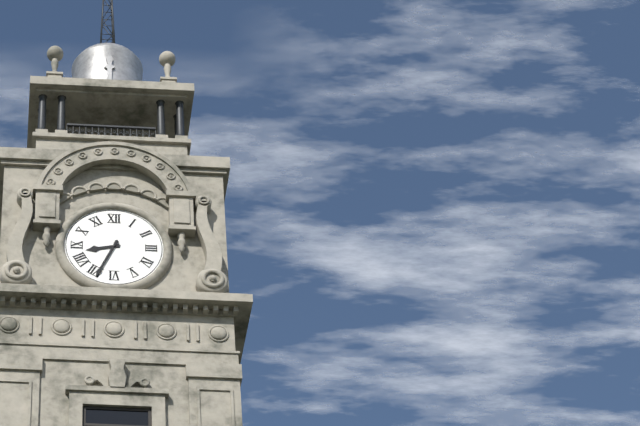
8:34
